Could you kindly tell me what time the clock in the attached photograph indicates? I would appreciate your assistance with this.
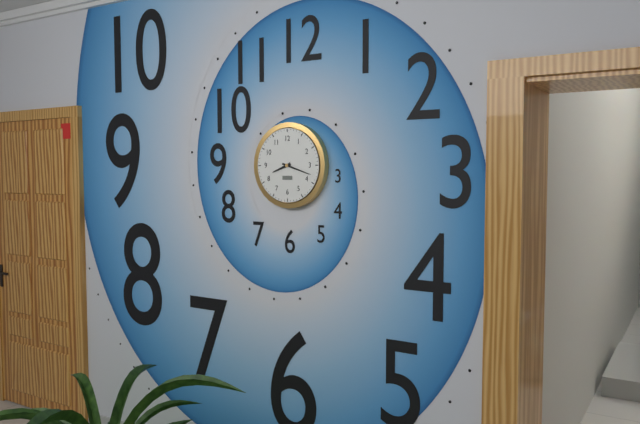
8:18
